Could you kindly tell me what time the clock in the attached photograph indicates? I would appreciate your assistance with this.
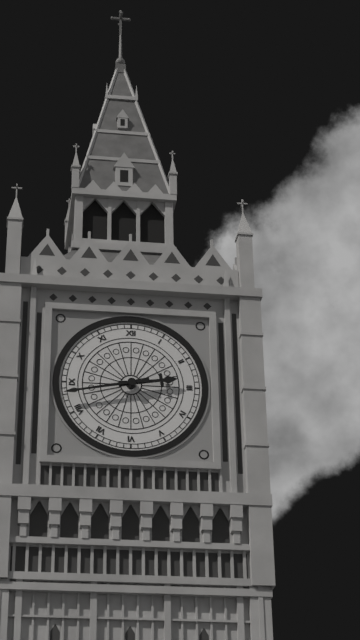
2:43
